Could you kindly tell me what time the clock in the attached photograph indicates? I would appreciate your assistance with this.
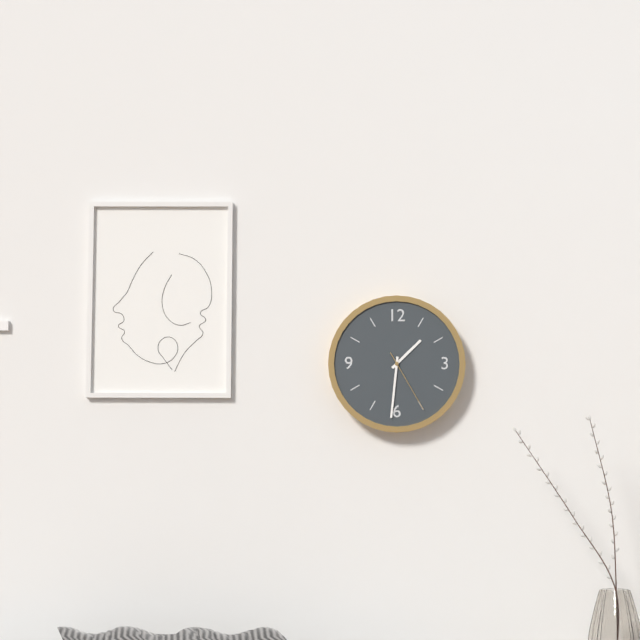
1:31:25
